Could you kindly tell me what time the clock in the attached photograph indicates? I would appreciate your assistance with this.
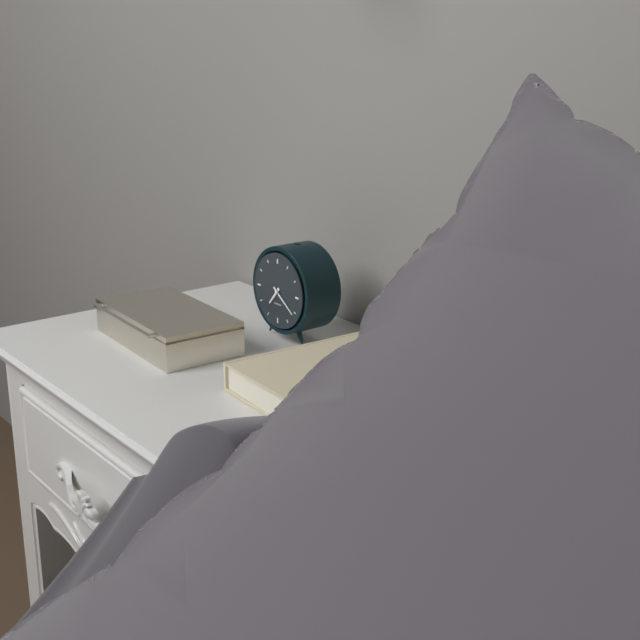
7:21
